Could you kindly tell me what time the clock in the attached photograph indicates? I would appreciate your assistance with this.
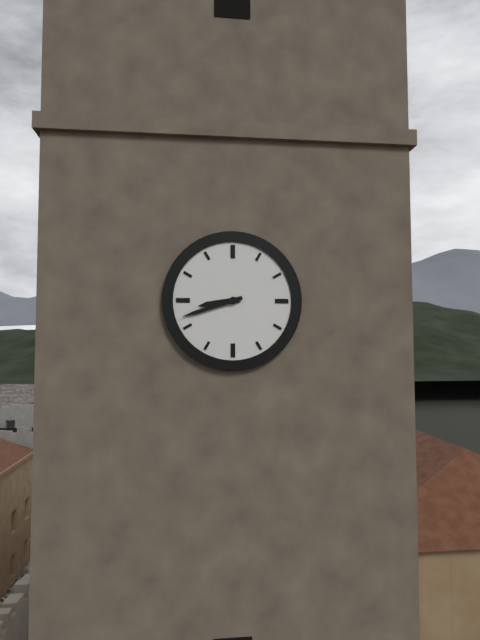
8:42
